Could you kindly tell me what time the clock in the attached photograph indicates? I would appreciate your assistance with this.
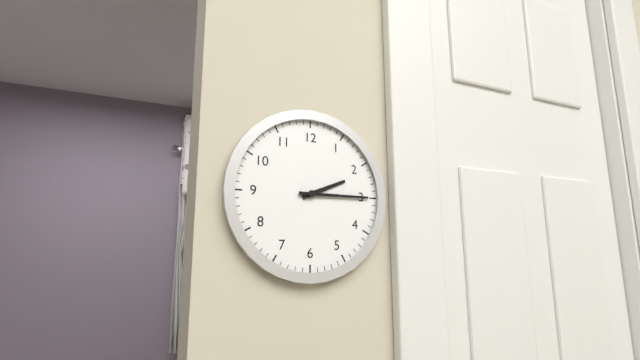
2:15
